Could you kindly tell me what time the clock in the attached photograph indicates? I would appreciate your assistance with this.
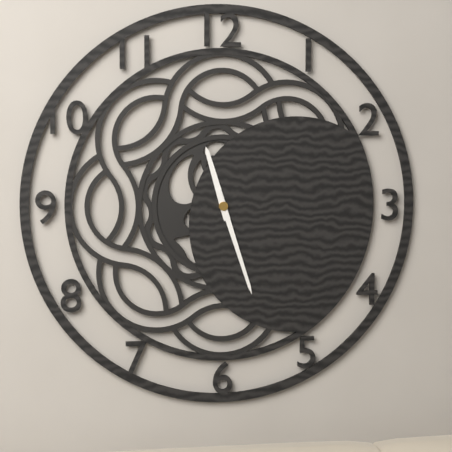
11:27
